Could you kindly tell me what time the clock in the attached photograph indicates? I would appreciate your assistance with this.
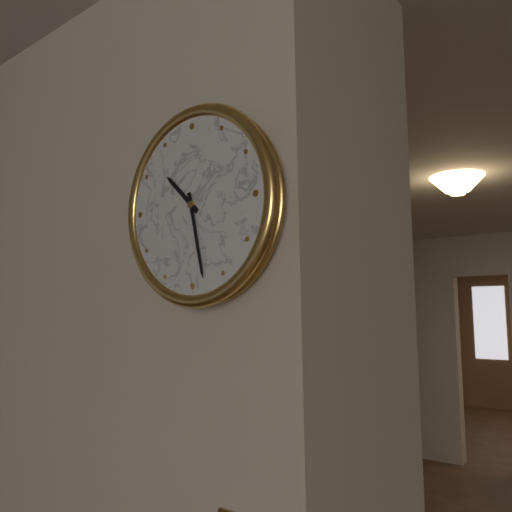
10:28
